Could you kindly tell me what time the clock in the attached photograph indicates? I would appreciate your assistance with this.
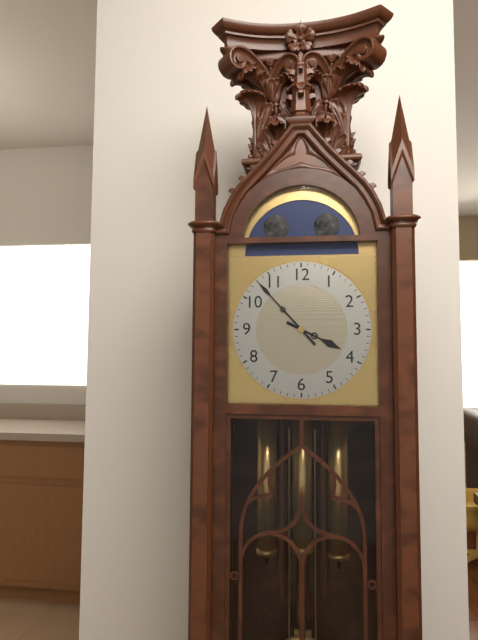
3:53
